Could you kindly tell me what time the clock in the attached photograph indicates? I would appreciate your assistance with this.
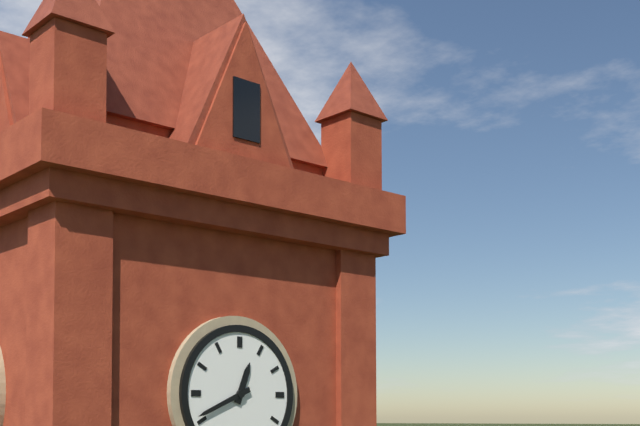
12:41
